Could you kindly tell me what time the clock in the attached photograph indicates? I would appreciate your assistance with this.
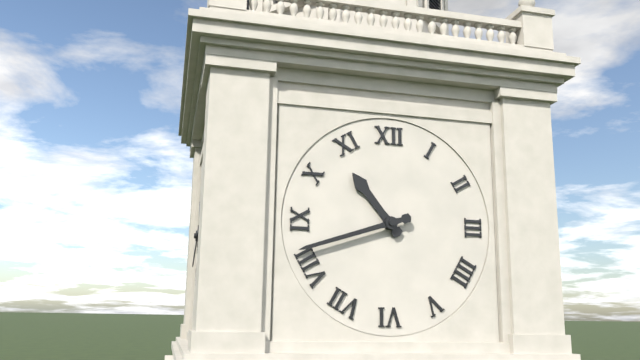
10:42
